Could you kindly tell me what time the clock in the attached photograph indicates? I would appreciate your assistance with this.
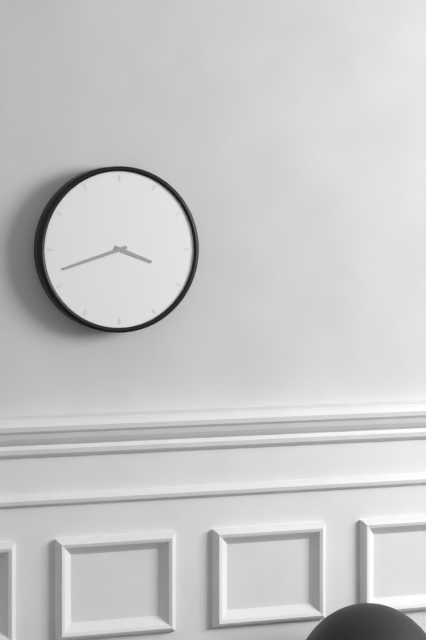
3:42
